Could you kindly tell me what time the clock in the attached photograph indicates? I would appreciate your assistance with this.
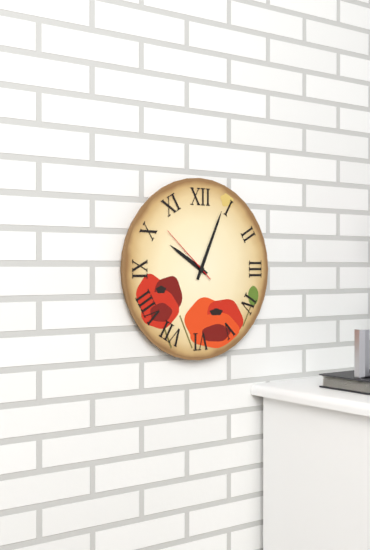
10:04:52
